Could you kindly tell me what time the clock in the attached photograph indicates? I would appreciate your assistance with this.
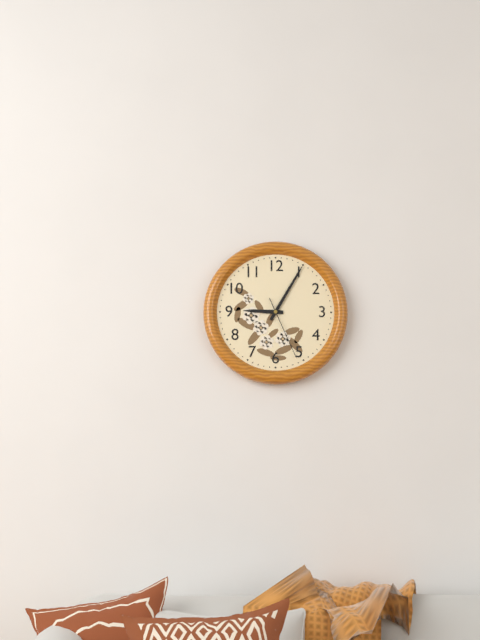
9:05:26
